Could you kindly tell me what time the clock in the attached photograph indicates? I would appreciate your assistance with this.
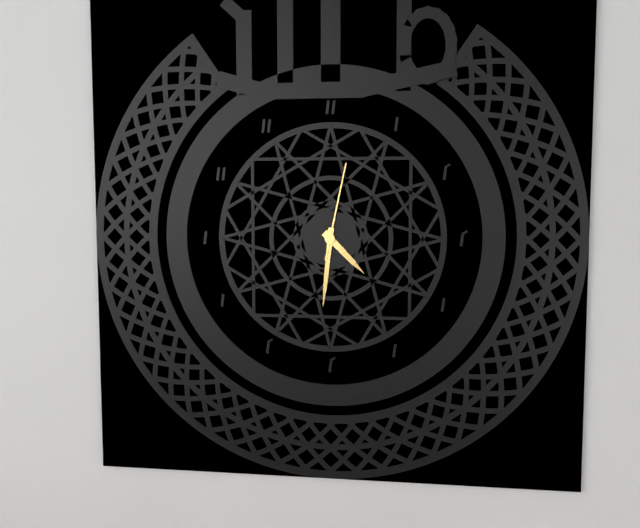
4:31:02
